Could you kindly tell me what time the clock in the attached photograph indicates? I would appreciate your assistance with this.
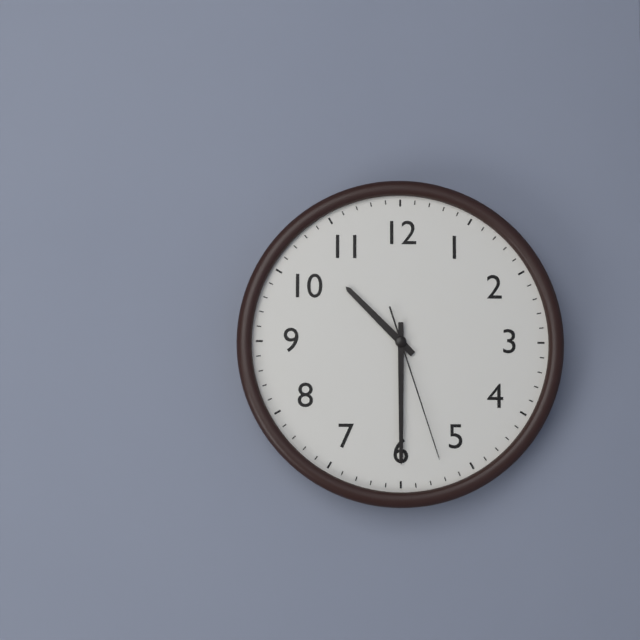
10:30:27
